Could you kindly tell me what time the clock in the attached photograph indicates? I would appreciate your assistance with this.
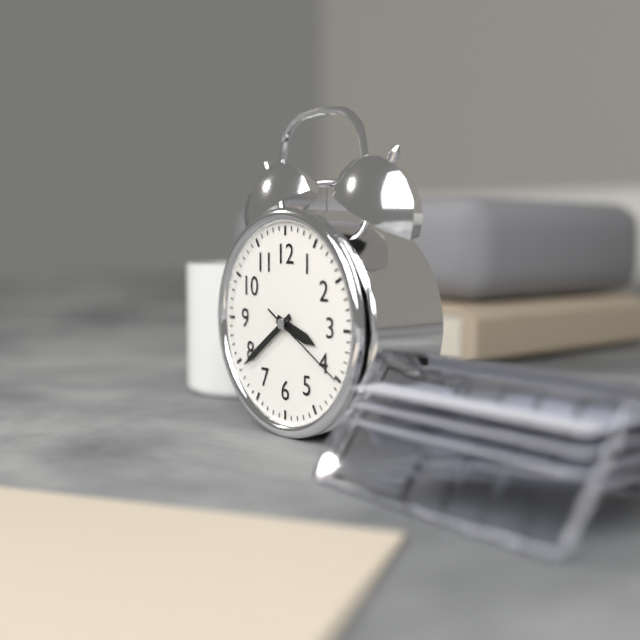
3:39:20
